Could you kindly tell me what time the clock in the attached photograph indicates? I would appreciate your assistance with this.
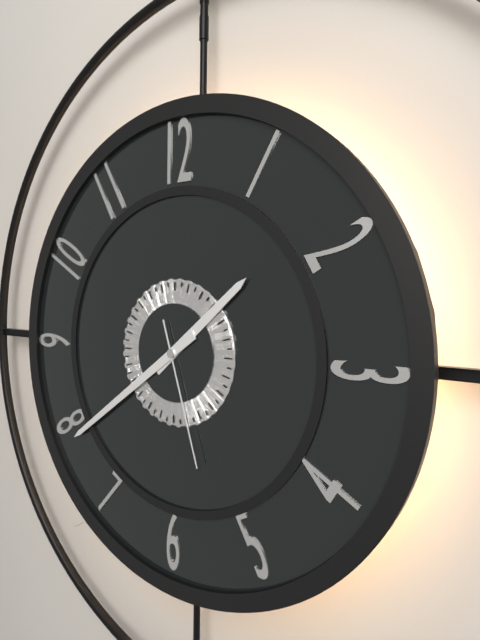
1:39:27
